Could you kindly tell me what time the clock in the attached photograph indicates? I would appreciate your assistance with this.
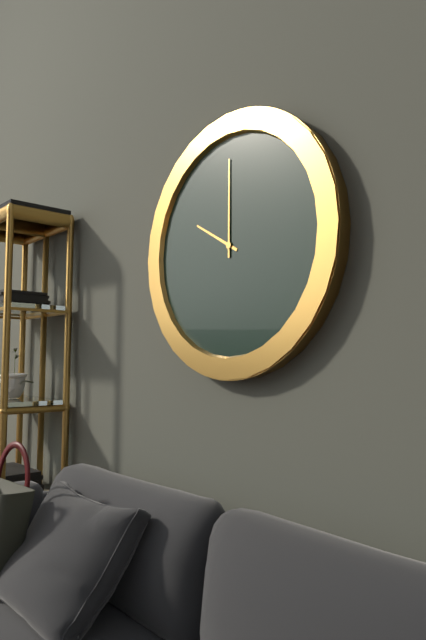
10:00
